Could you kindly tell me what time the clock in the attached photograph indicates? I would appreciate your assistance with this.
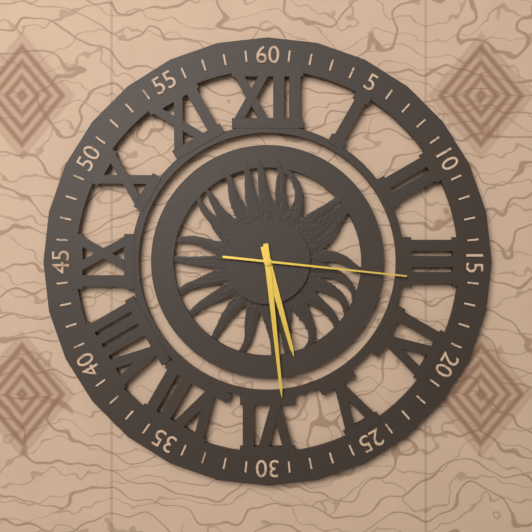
5:29:16
